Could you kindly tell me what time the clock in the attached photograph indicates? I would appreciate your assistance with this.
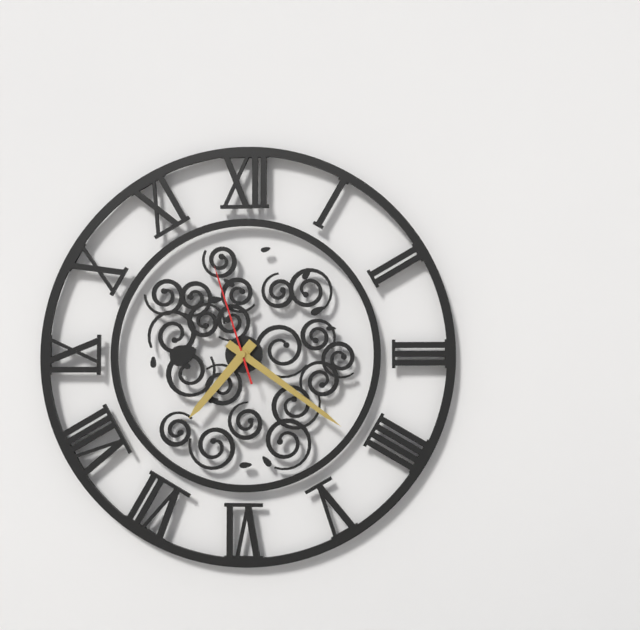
7:21:57
